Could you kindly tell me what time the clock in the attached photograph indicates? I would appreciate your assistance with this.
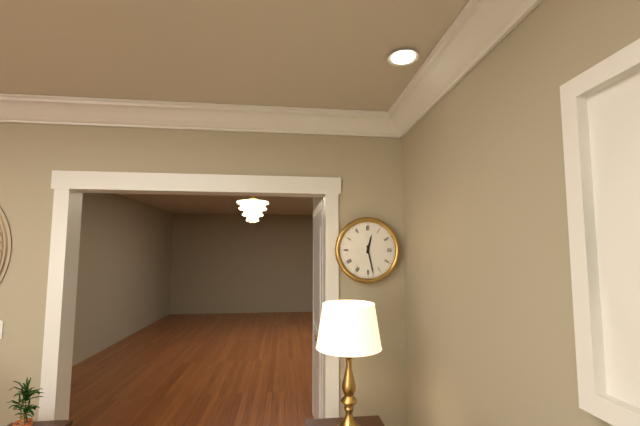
12:28
